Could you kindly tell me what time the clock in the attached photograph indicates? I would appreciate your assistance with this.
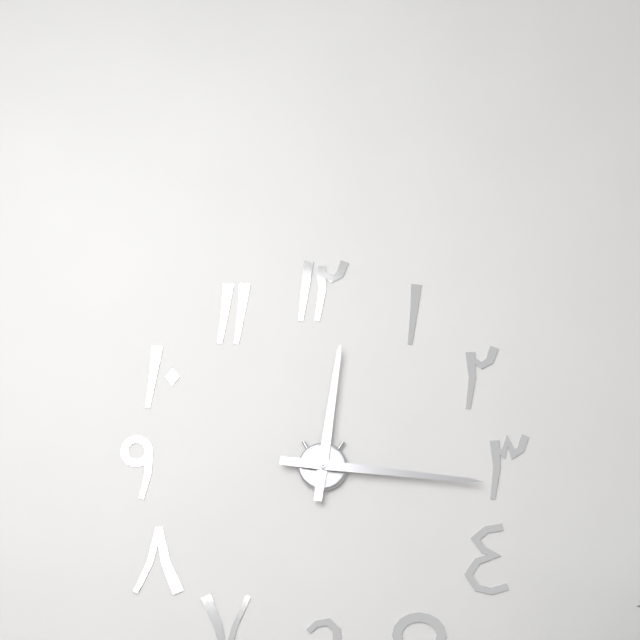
12:16
